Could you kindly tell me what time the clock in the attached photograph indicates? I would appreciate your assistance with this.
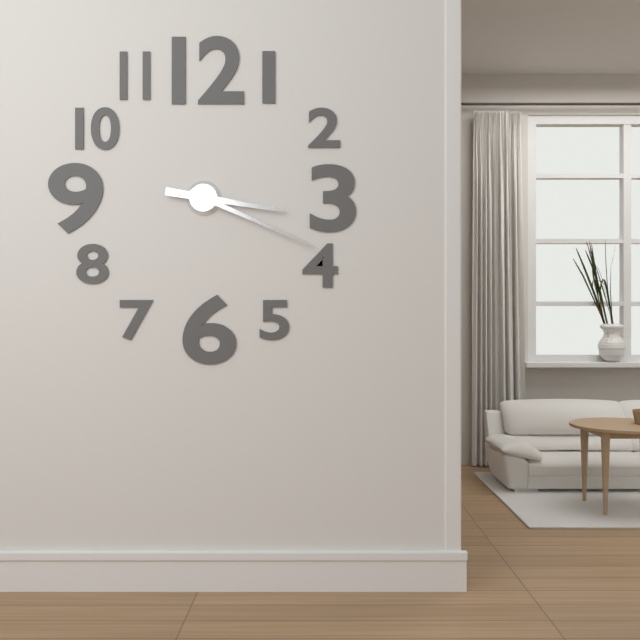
3:19
